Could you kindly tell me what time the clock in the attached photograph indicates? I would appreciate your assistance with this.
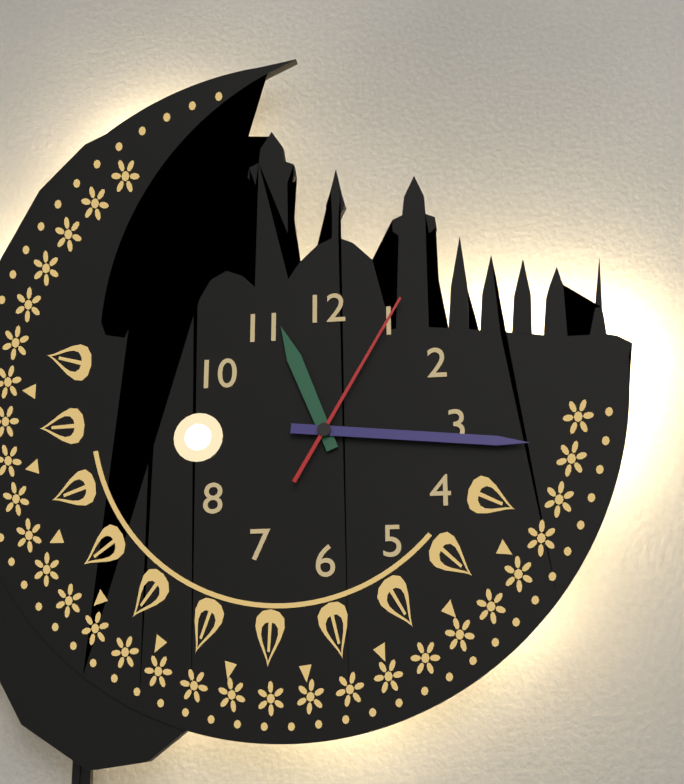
11:16:05
